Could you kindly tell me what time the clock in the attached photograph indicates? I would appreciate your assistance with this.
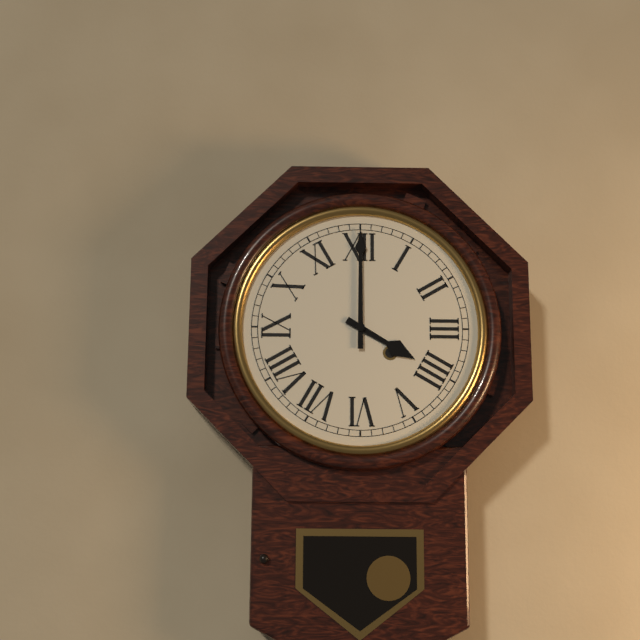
4:00
